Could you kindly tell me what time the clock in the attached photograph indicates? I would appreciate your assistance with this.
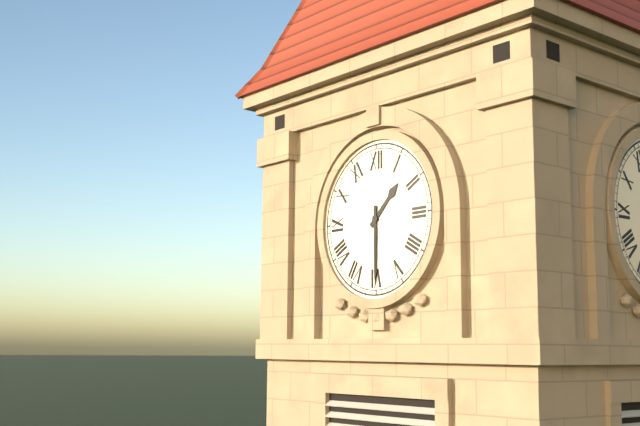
1:30
